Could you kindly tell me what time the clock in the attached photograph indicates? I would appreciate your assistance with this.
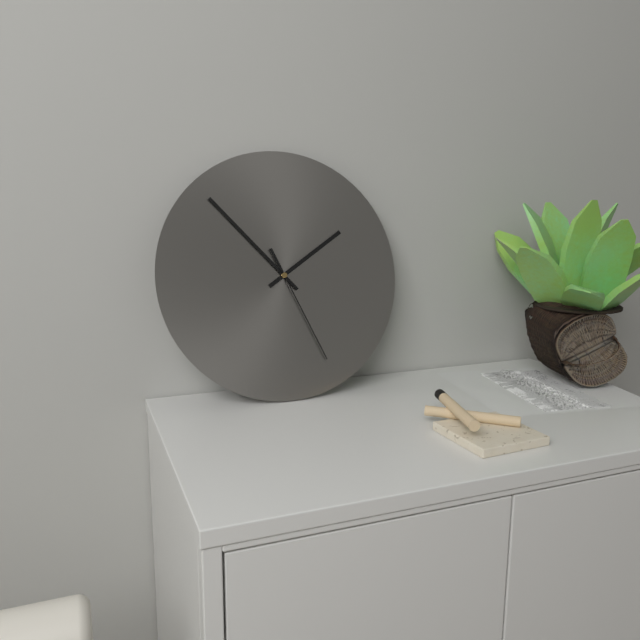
1:53:26
